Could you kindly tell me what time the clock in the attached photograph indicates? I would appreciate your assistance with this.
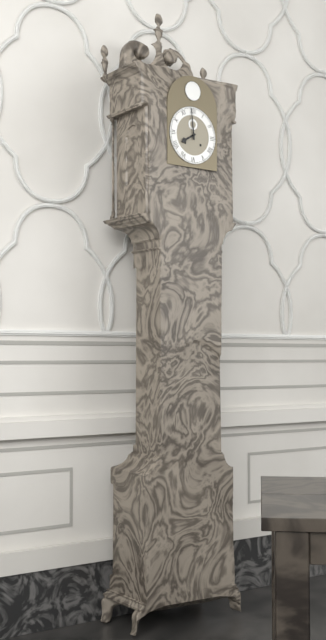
7:59
